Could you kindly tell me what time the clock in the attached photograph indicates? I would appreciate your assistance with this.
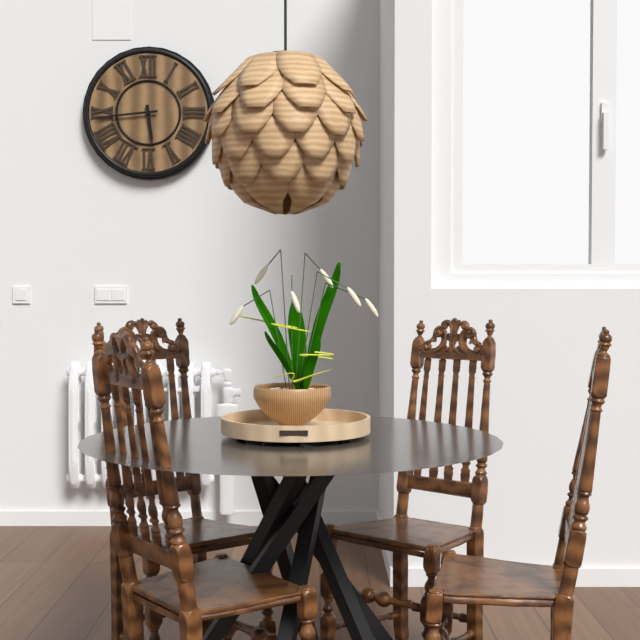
5:44
